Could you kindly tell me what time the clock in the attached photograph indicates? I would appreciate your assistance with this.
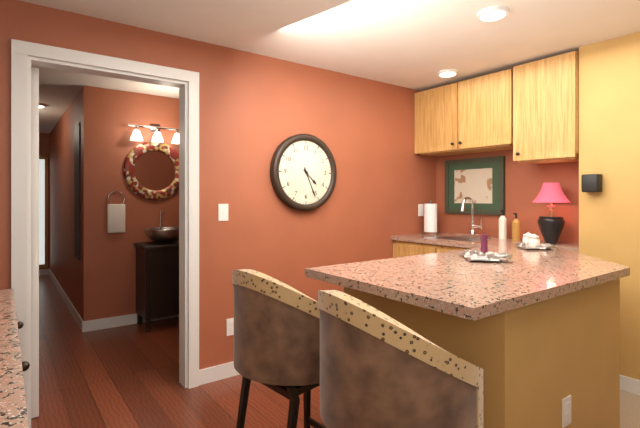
4:26
